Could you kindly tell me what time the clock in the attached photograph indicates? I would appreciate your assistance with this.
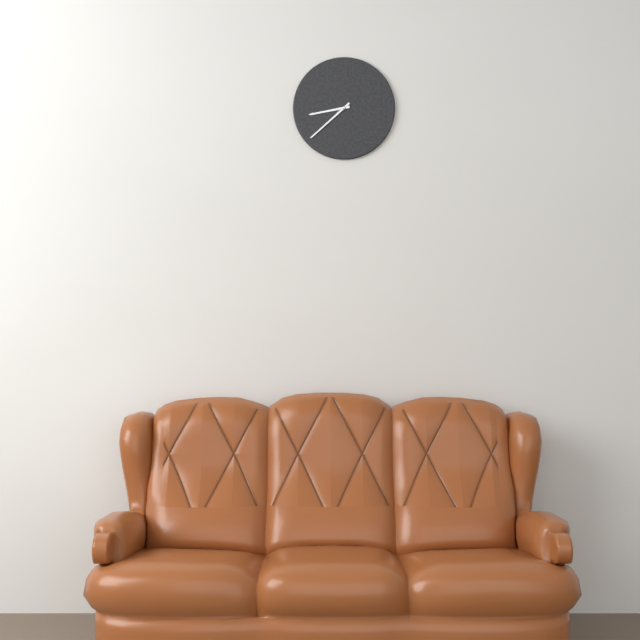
8:38
